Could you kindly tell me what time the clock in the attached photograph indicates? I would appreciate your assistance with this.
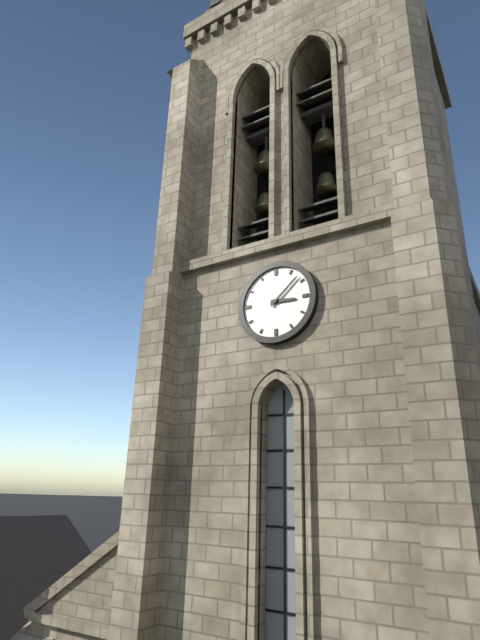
3:08
